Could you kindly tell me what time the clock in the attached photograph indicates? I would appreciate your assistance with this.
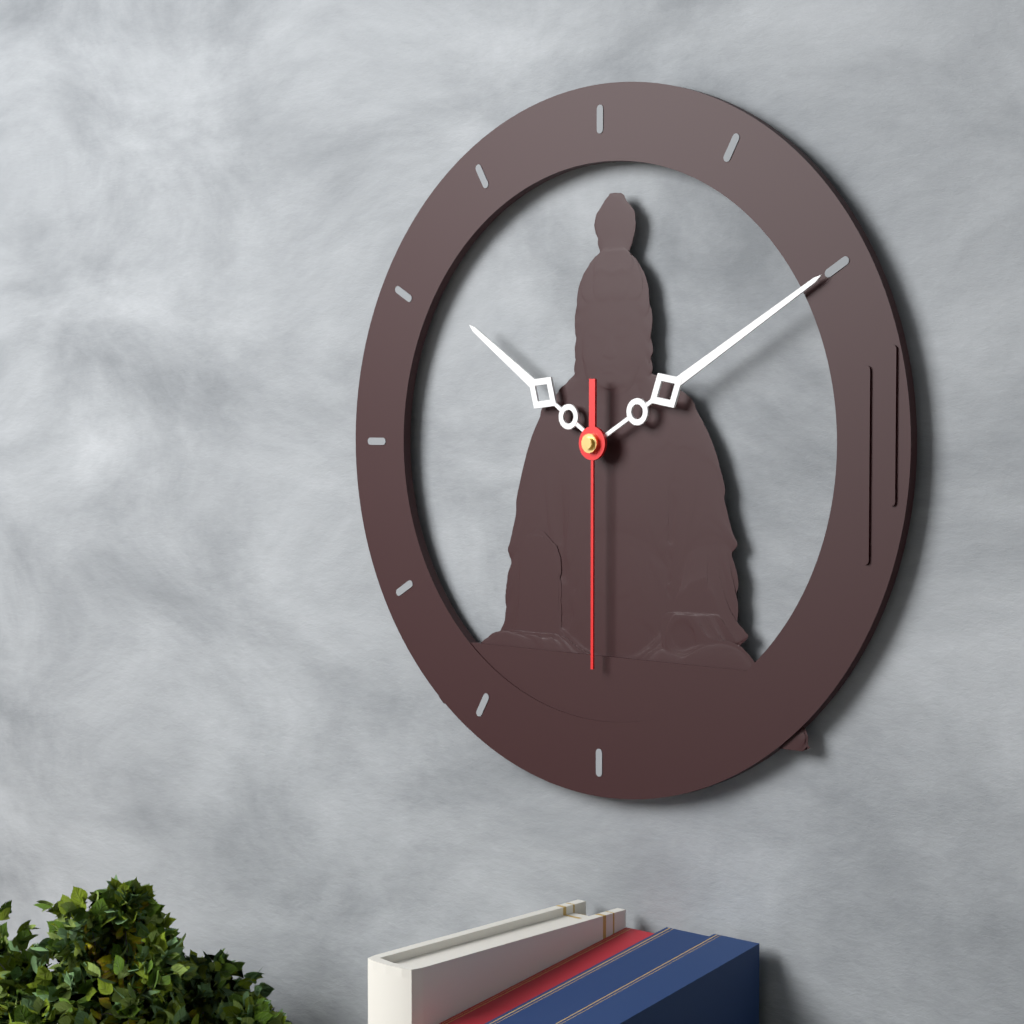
10:10:30
